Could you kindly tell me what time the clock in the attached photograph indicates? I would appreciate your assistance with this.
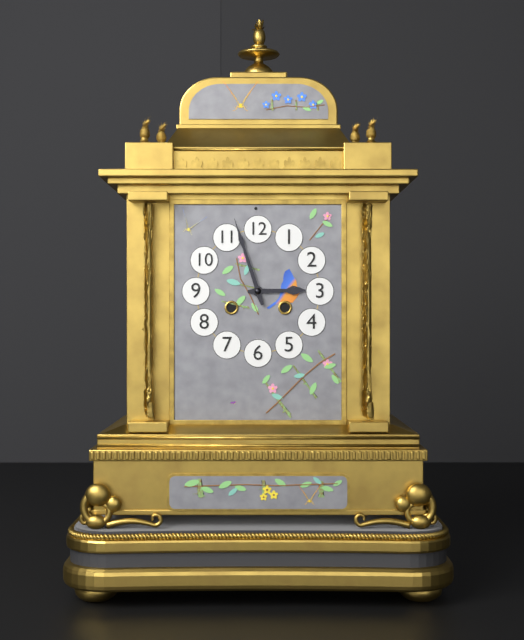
2:57
